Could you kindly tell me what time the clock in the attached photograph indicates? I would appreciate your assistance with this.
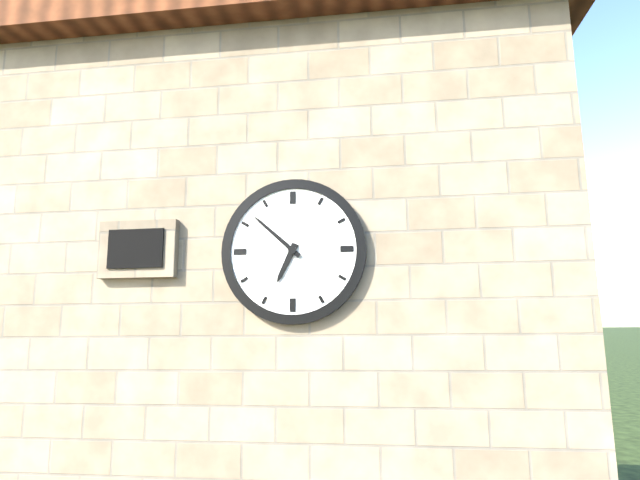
6:52
